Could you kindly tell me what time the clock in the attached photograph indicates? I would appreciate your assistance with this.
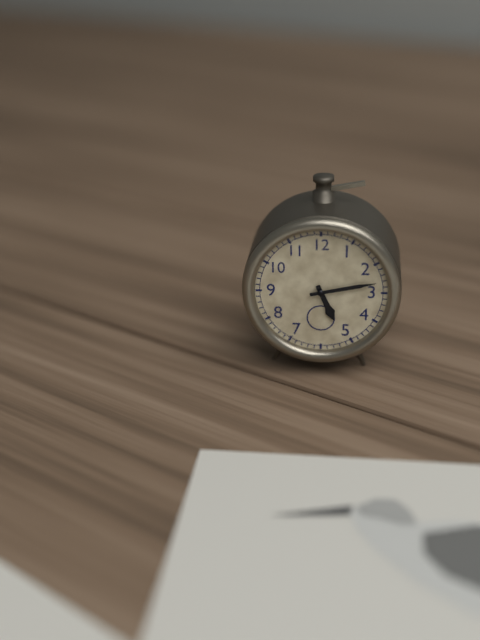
5:13
